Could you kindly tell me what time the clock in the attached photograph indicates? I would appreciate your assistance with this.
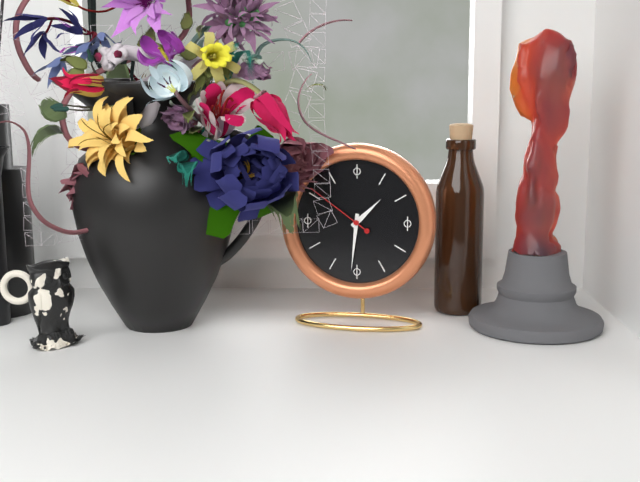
1:31:51
